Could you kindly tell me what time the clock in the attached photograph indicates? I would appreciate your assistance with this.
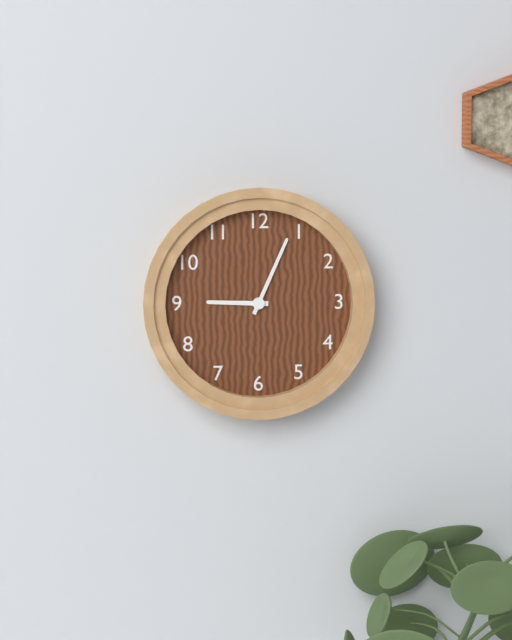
9:04
